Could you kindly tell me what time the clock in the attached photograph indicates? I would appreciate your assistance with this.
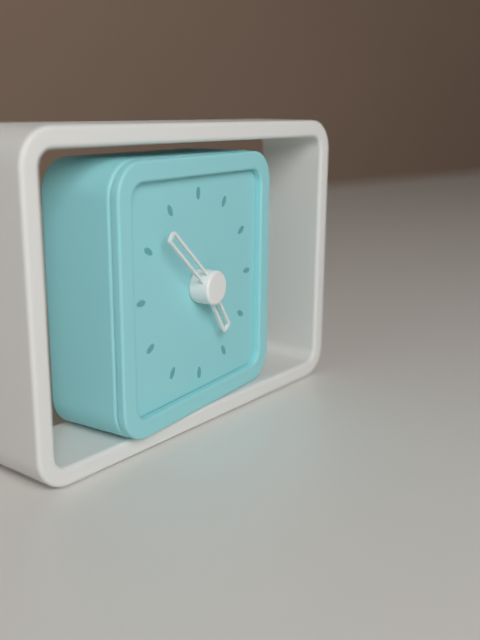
4:52
